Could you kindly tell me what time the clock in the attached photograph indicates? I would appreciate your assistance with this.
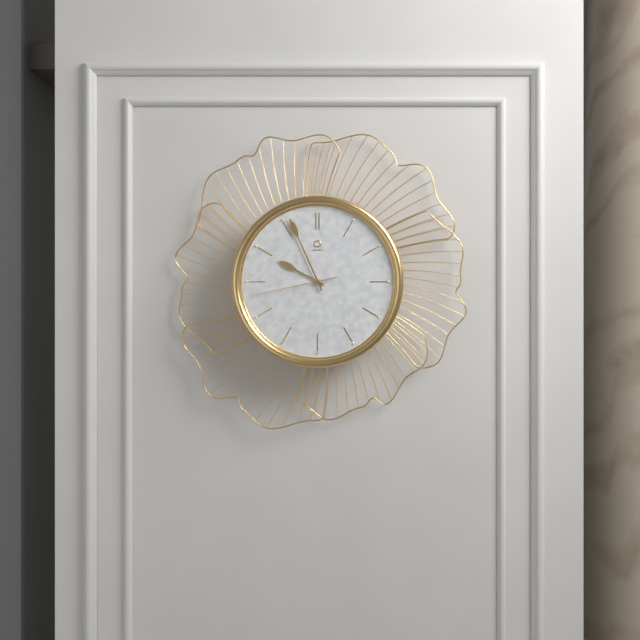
9:56:43
